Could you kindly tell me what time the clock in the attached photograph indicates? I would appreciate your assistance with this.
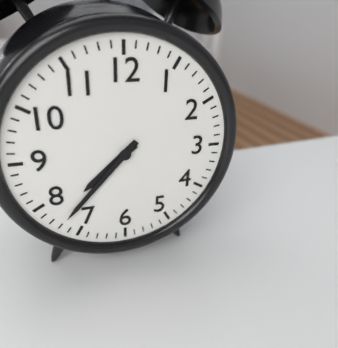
7:37
